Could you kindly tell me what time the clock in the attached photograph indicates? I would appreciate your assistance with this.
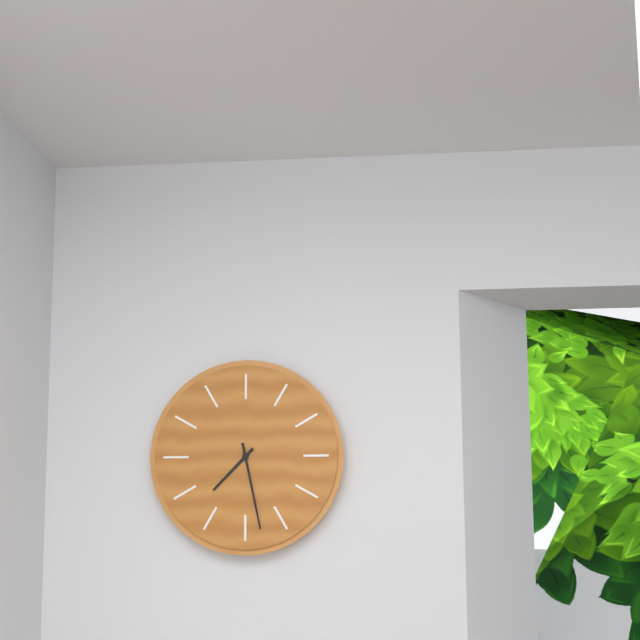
7:28
